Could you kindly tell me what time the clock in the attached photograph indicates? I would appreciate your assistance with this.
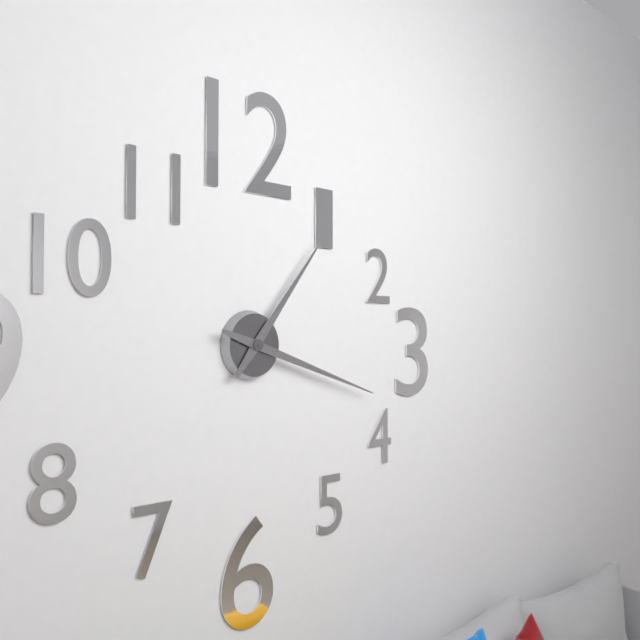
1:18
